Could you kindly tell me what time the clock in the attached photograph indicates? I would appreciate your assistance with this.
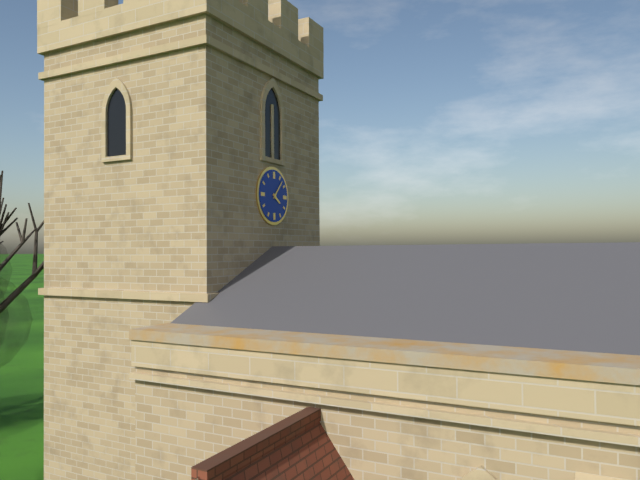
4:07
